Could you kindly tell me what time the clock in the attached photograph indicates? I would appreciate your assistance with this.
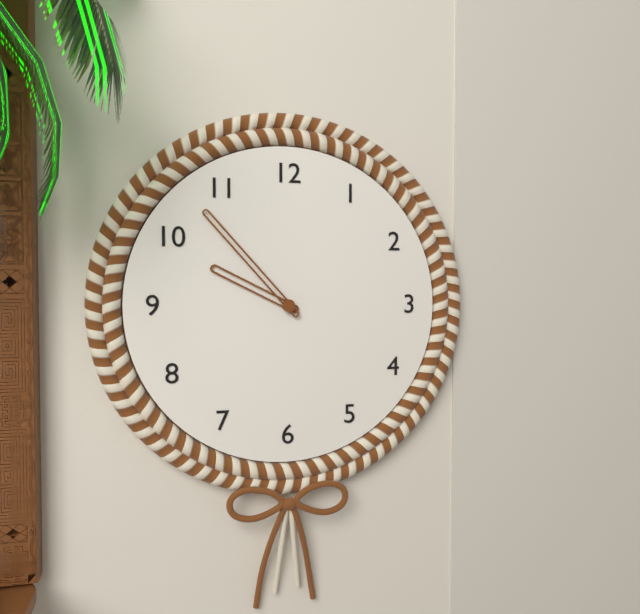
9:53
